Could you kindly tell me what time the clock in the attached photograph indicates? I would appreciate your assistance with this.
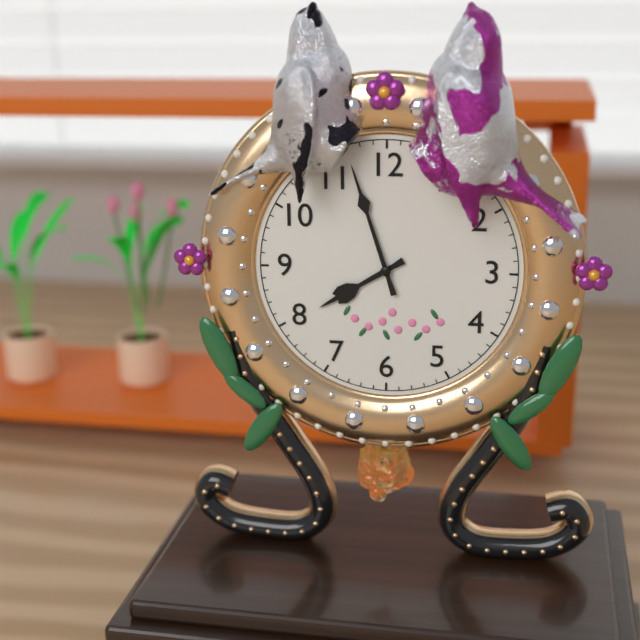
7:57
